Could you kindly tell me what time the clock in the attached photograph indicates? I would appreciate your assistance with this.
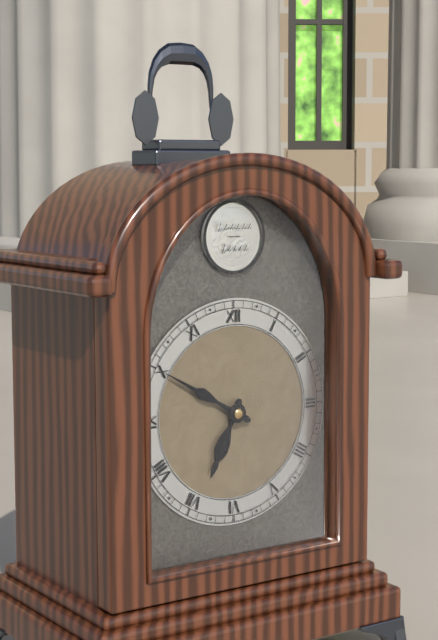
6:50
